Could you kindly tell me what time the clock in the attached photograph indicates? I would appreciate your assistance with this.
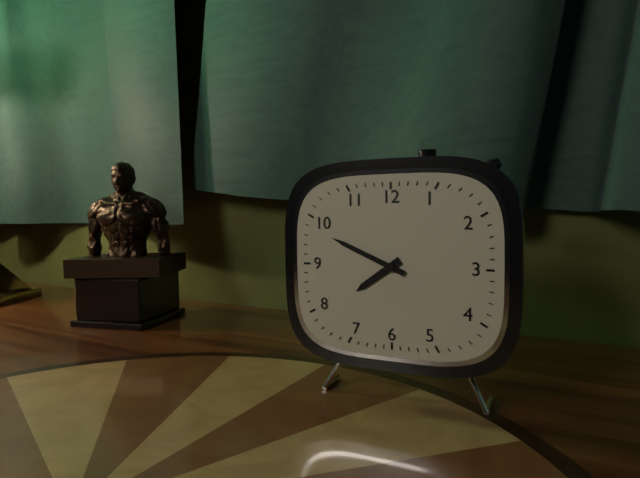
7:49
